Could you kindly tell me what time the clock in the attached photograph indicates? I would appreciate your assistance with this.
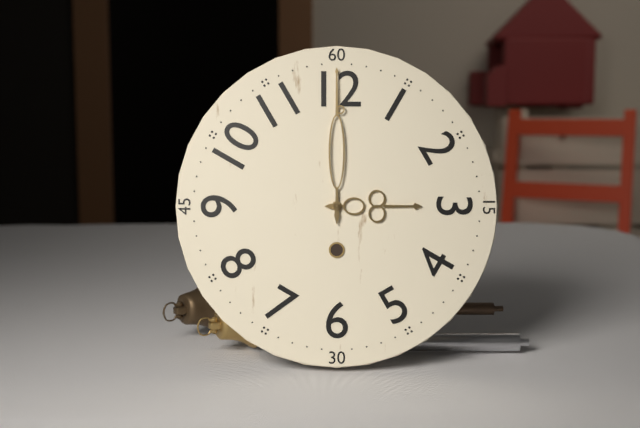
3:00
